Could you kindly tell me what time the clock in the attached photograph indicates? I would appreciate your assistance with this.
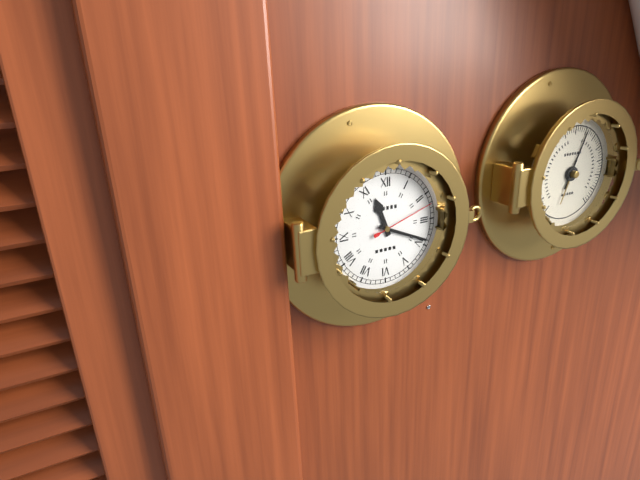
11:19:12
